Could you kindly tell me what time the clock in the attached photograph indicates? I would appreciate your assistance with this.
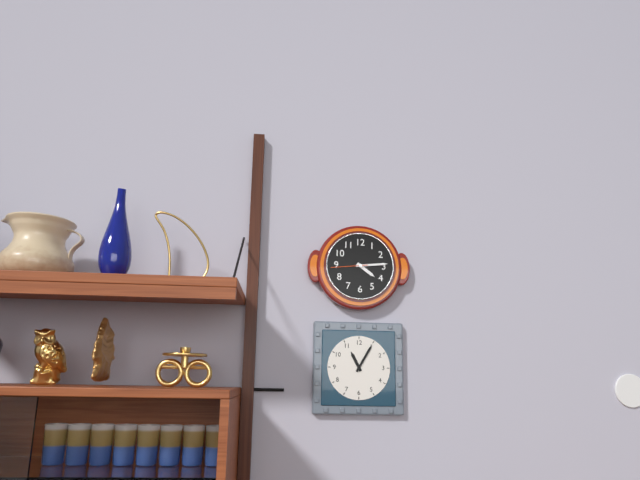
4:14
